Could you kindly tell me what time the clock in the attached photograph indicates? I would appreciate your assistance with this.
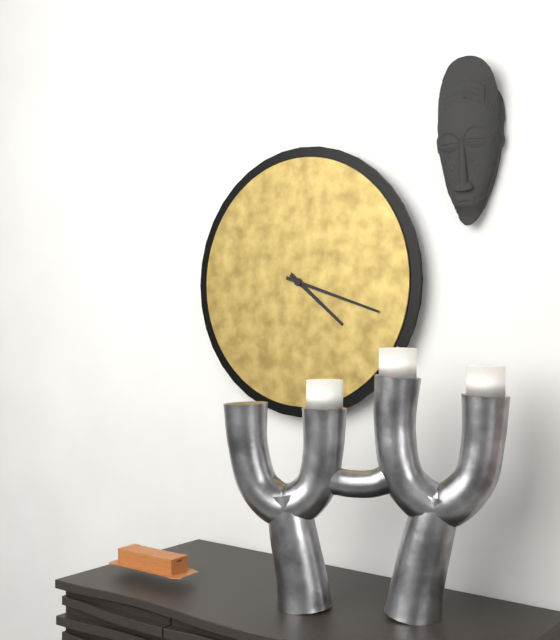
4:18
